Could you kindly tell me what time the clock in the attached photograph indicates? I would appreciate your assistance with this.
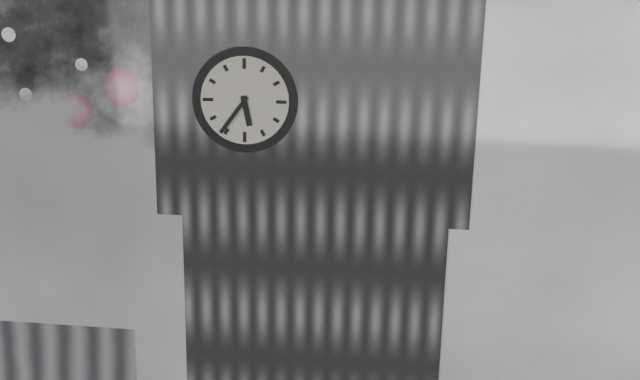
5:36
